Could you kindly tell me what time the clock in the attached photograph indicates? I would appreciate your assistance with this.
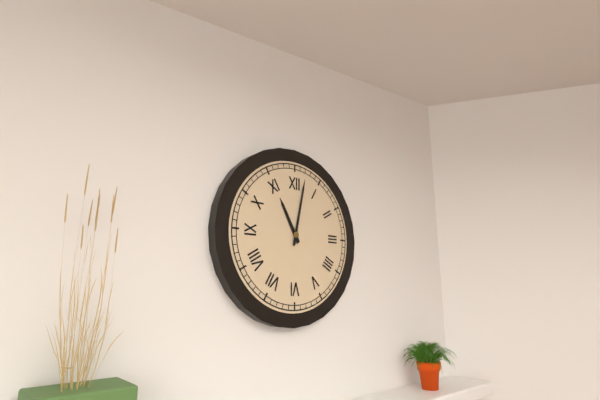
11:02
